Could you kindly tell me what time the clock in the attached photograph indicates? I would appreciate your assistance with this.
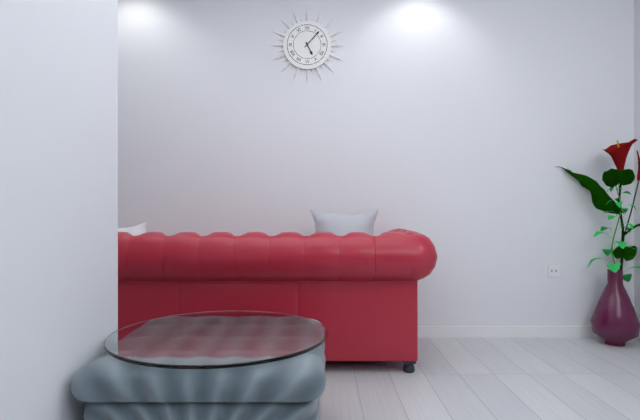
5:07
